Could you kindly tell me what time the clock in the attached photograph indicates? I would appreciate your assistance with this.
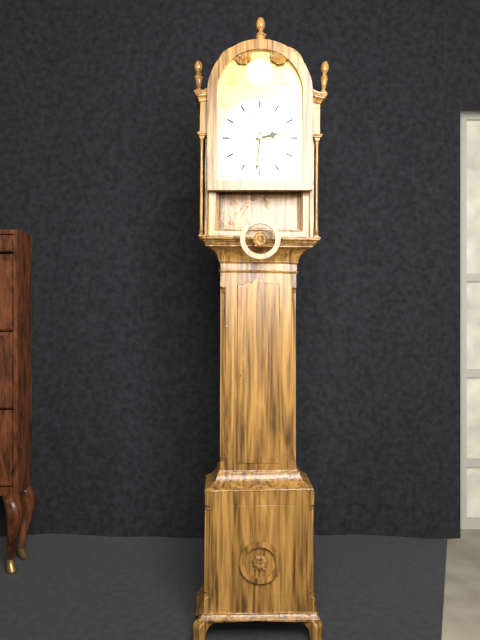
2:31
